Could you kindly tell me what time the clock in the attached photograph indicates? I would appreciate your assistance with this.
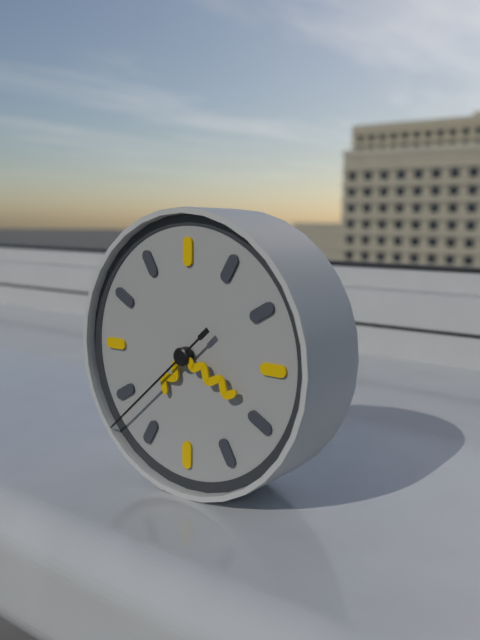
7:19:38
